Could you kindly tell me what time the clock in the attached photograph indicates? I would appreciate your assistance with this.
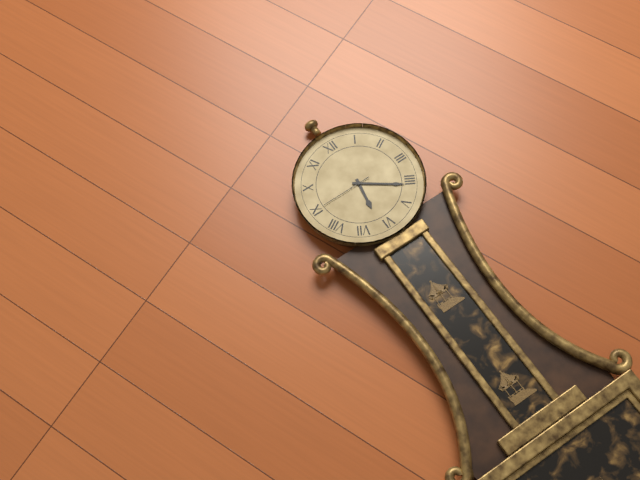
6:21:45
